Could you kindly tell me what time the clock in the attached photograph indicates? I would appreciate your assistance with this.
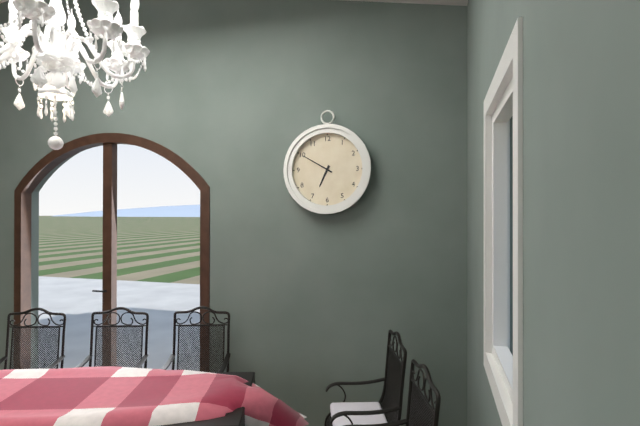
6:50
